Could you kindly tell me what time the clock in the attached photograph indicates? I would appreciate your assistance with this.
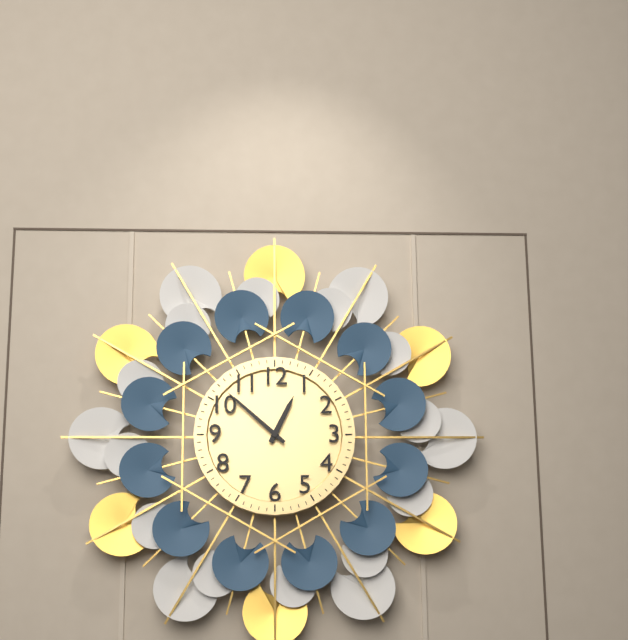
12:52
